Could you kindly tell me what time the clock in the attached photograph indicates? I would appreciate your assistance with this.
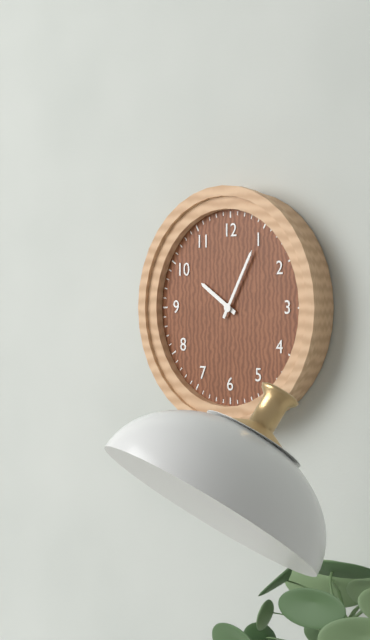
10:05
